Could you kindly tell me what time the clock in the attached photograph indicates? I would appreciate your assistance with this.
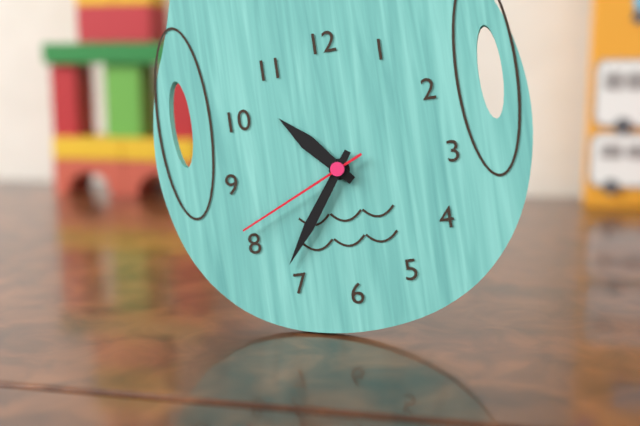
10:36:41
